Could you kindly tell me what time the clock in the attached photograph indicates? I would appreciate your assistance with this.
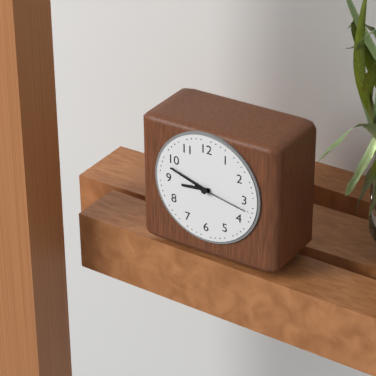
8:48:17
